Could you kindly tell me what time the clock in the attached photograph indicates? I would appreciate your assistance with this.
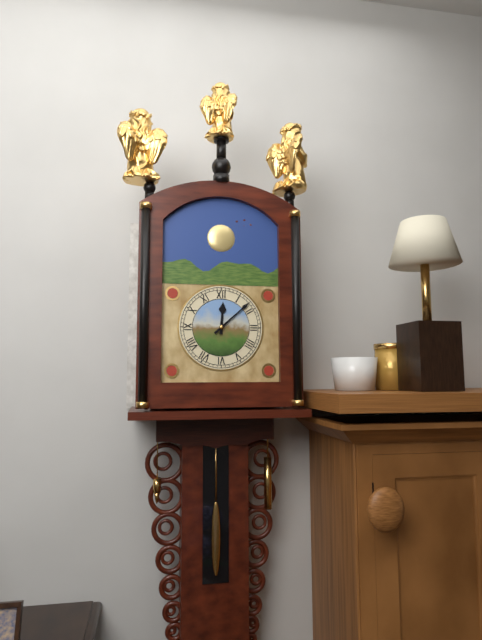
12:08
